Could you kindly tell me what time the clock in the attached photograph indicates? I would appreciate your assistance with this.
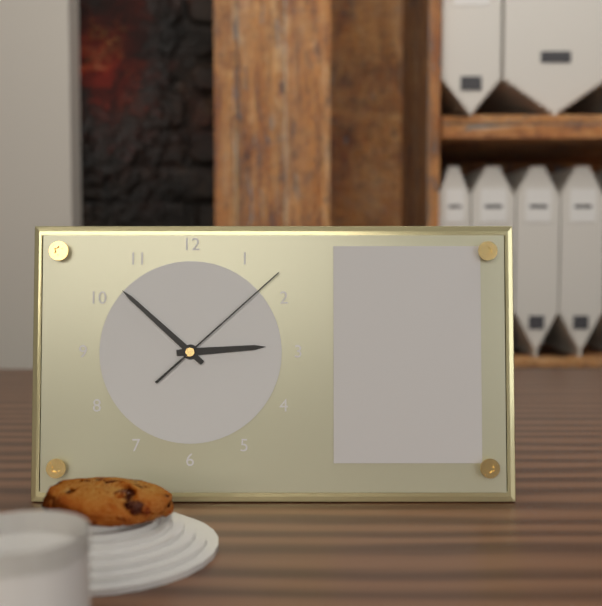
2:52:08
